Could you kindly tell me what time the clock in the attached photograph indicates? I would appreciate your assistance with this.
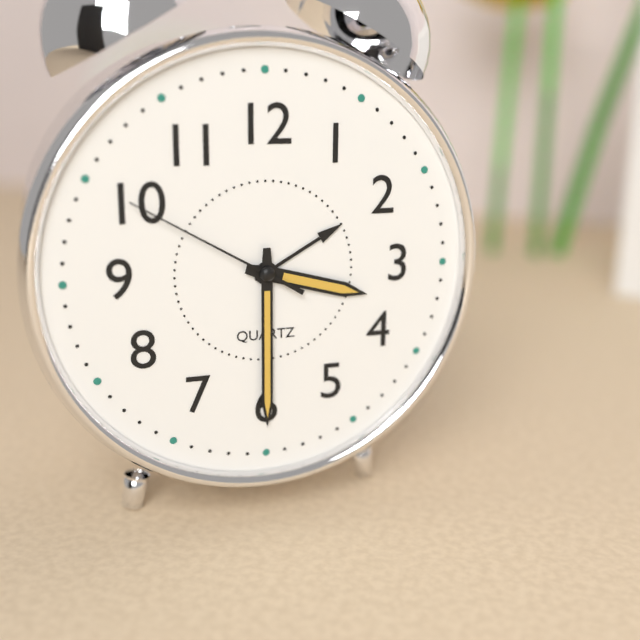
3:30:50
